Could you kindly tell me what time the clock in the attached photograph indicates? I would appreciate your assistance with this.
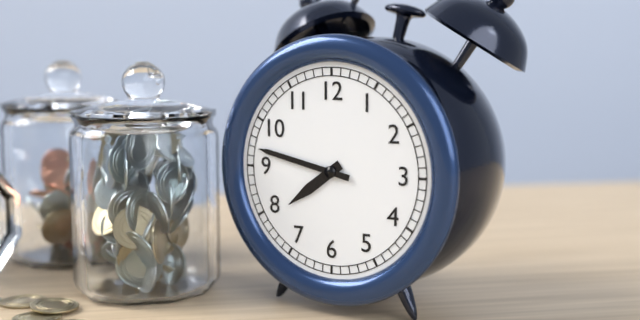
7:47
